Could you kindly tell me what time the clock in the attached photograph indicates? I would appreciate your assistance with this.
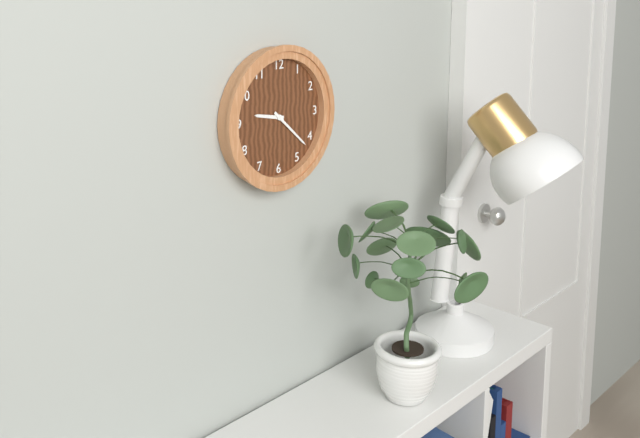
9:22
